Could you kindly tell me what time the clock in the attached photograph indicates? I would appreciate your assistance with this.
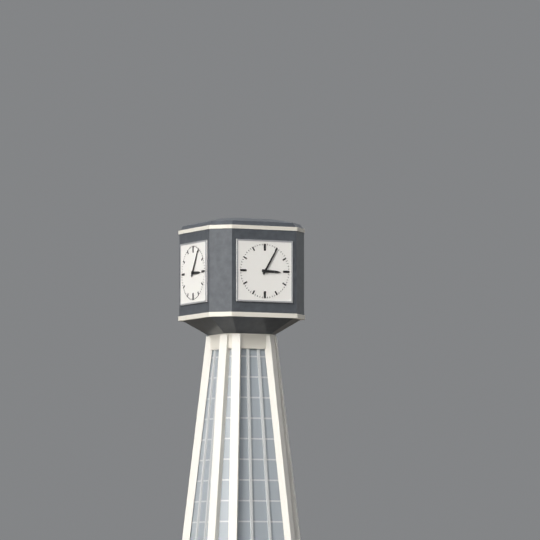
3:05
